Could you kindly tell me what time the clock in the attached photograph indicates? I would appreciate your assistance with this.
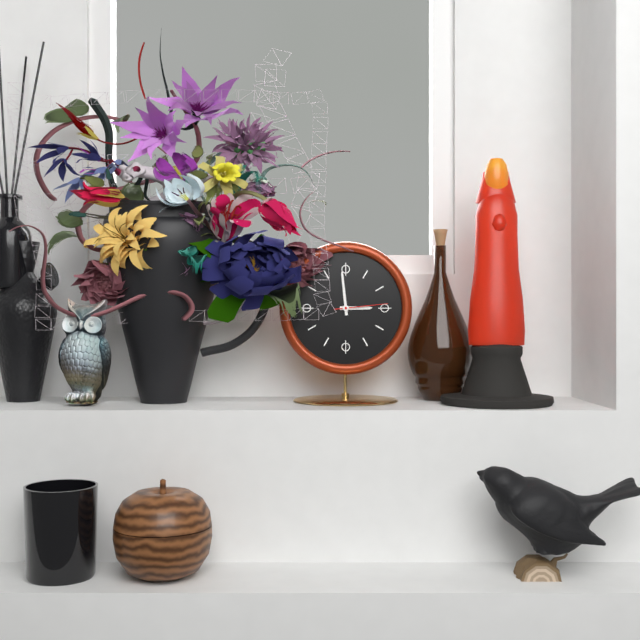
2:59:14
